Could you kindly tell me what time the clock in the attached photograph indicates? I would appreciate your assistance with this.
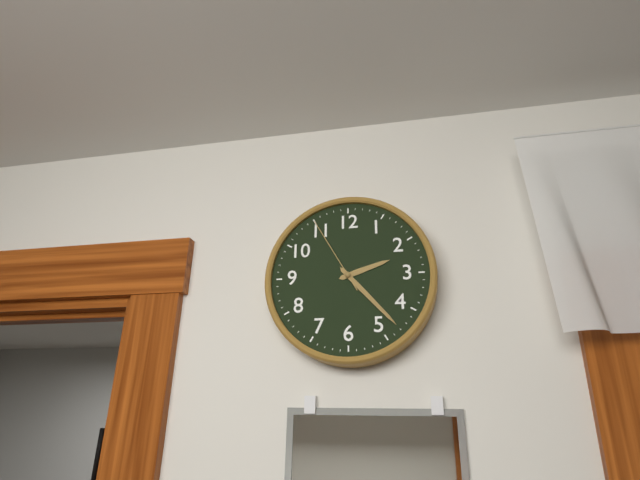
2:23:55
